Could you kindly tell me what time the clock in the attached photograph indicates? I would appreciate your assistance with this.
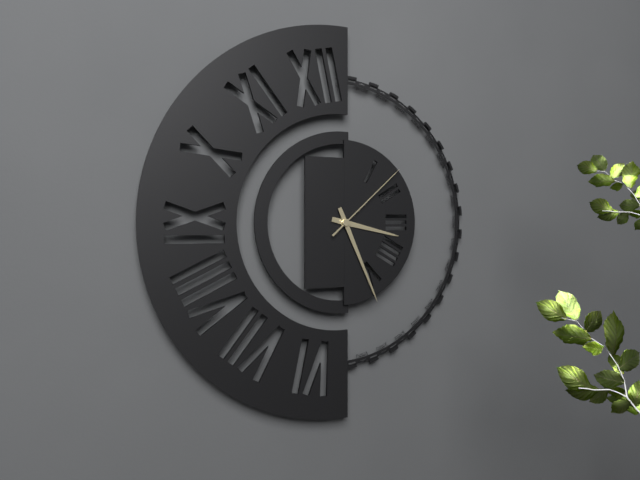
3:26:08
